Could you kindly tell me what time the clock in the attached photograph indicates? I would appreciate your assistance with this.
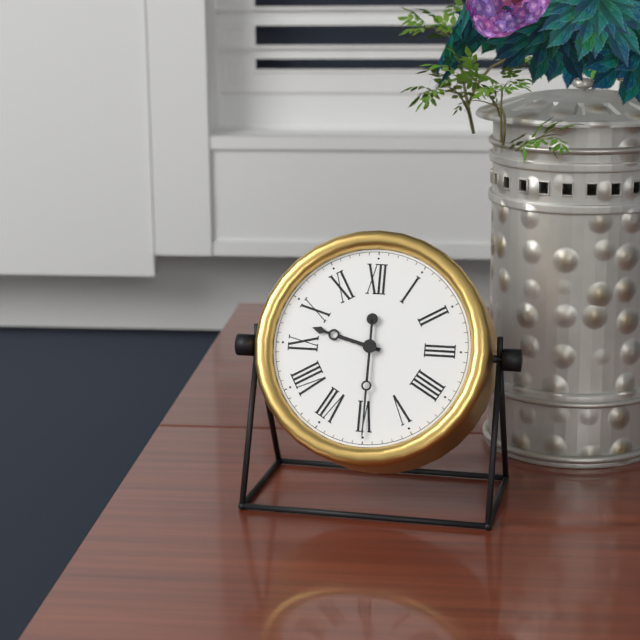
9:30
